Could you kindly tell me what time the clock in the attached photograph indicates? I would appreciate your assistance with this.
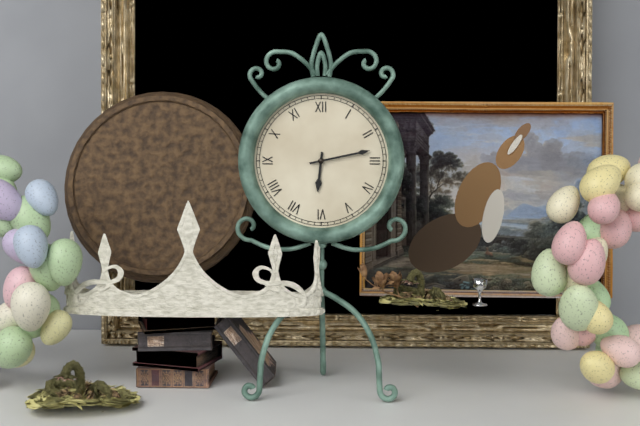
6:13
